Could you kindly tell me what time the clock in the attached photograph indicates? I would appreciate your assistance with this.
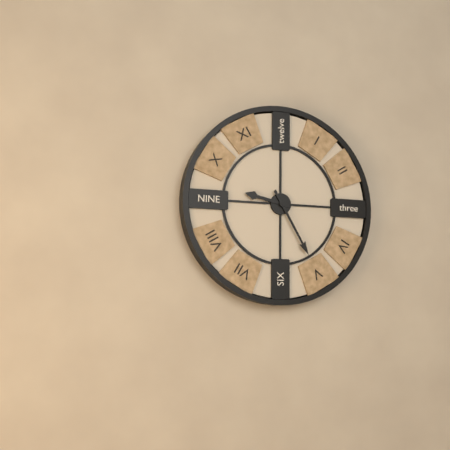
9:25
